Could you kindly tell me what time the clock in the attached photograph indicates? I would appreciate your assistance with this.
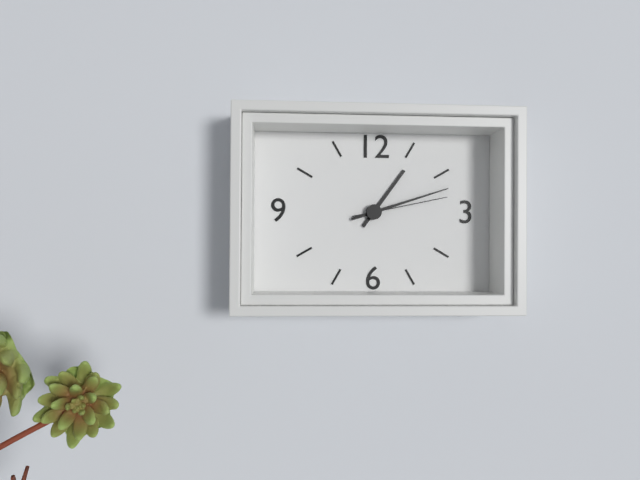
1:12:13
